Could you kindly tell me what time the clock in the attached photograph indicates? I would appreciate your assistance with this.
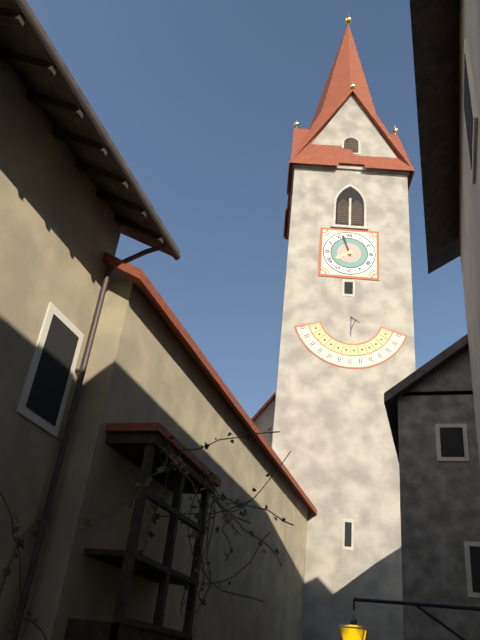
7:57
